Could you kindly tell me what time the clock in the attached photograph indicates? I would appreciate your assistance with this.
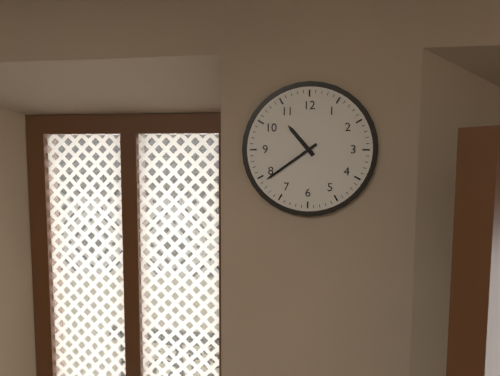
10:39
